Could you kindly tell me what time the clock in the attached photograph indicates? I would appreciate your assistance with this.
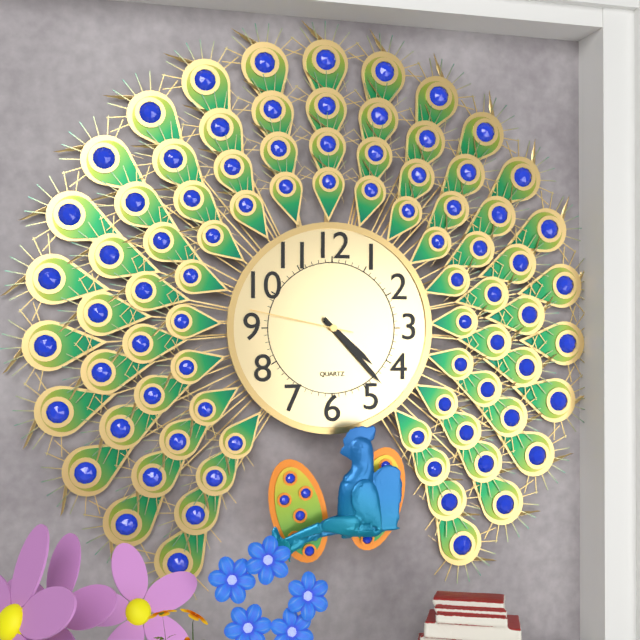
4:23:47
